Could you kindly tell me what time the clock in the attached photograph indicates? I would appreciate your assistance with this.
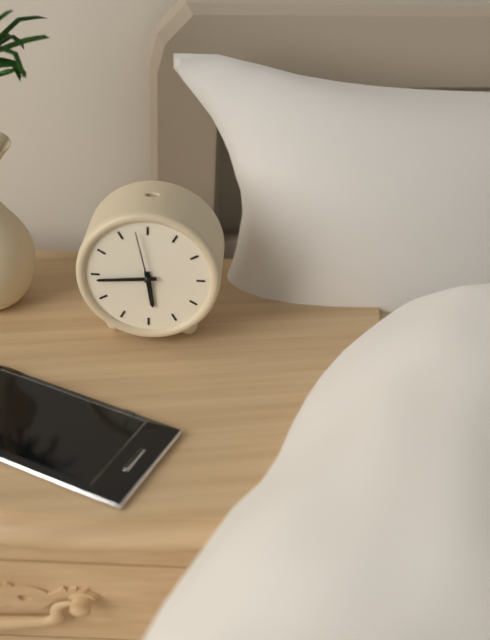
5:44
